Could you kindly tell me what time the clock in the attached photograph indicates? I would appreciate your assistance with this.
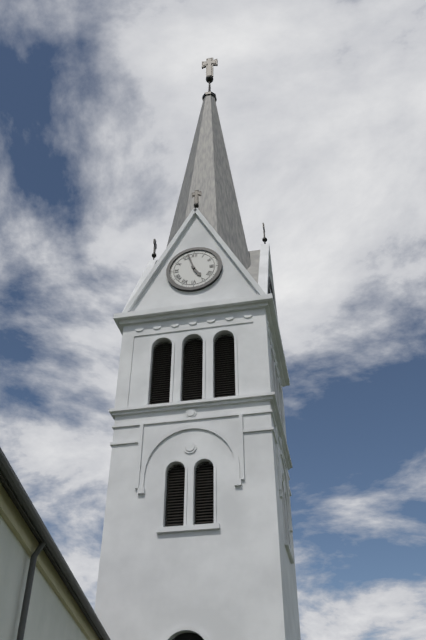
4:57
